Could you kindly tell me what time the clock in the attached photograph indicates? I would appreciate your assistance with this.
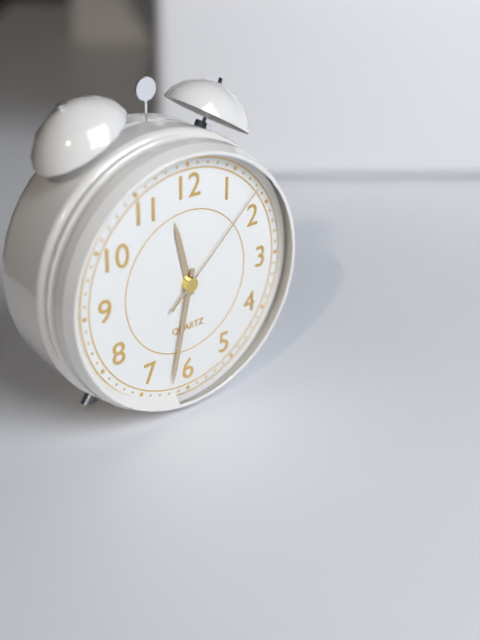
11:32:08
